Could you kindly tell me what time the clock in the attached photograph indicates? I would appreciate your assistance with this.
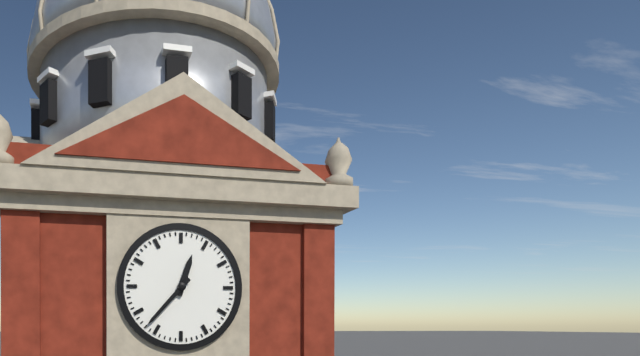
12:37
